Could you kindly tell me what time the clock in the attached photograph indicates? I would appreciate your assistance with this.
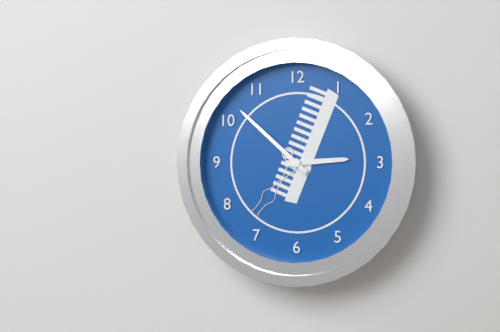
2:52
